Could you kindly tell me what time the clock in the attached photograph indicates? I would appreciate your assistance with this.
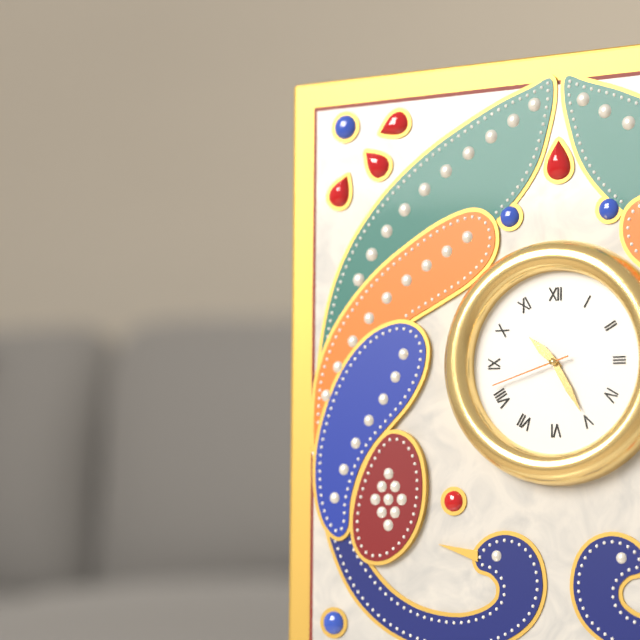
10:25:42
